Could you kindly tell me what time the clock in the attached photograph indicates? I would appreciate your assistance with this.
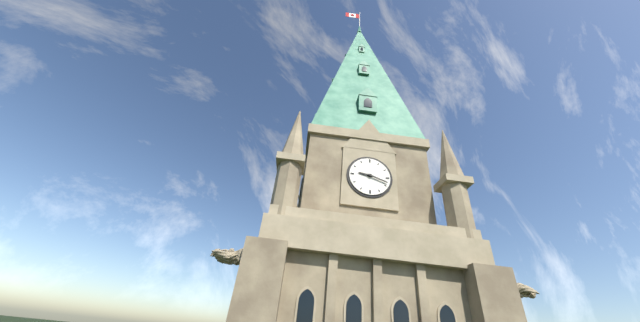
9:18
